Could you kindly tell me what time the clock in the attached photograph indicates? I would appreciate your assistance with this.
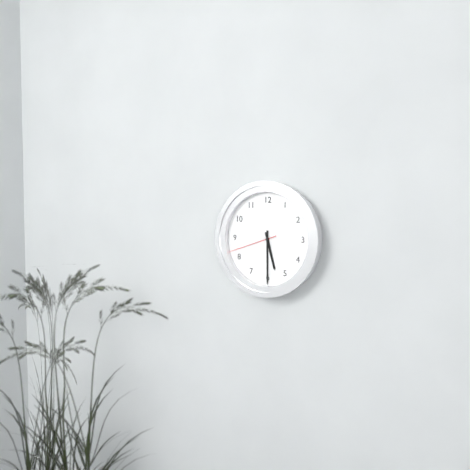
5:30:42
